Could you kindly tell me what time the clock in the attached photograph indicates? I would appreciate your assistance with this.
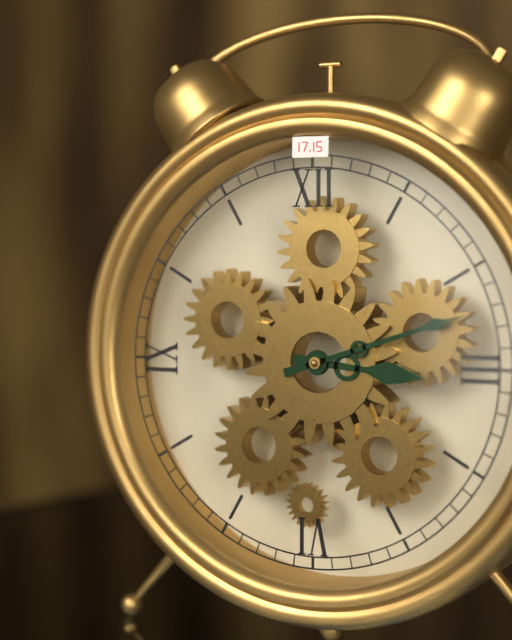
3:12
